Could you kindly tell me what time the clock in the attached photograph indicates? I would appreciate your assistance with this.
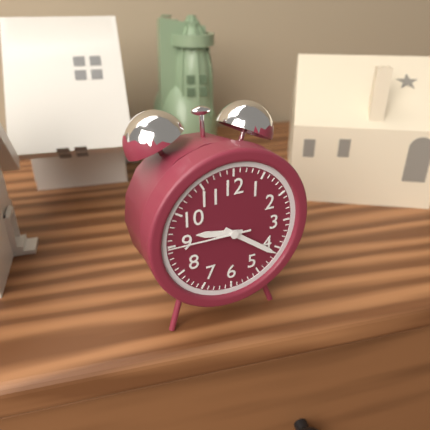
9:21:45
